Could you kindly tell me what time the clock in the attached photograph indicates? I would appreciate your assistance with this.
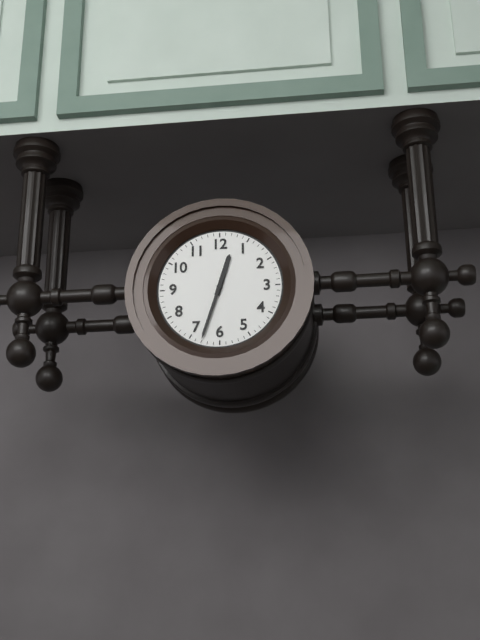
12:33
